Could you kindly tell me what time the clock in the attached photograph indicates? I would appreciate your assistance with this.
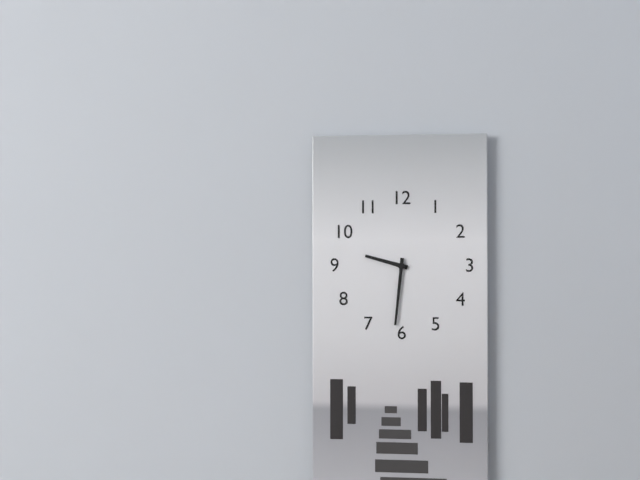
9:31
